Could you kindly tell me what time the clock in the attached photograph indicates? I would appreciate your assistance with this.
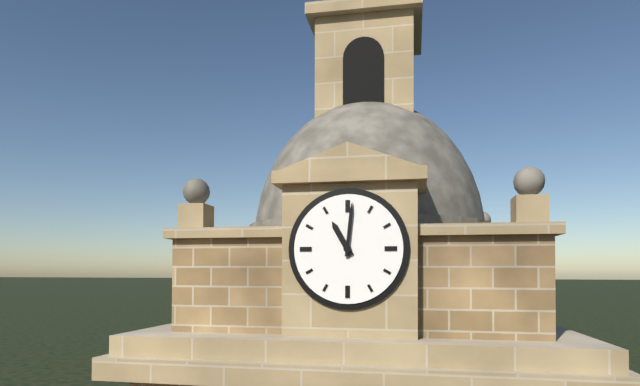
11:01
